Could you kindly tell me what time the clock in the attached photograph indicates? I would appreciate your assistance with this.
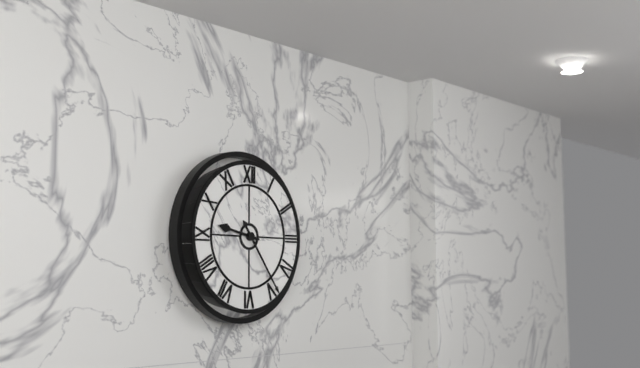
9:24
